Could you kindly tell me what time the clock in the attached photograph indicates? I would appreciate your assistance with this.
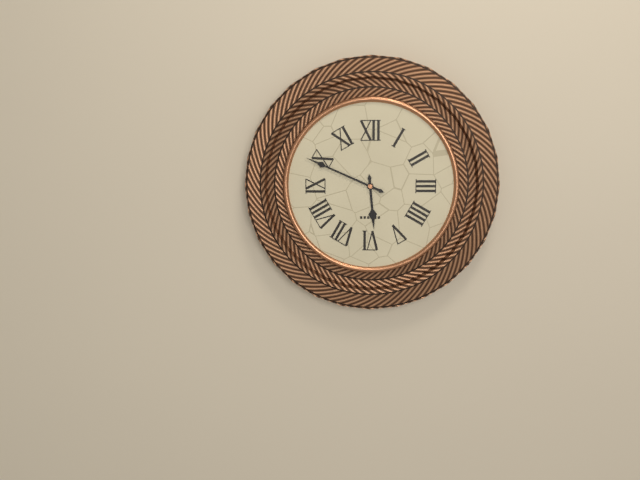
5:49
